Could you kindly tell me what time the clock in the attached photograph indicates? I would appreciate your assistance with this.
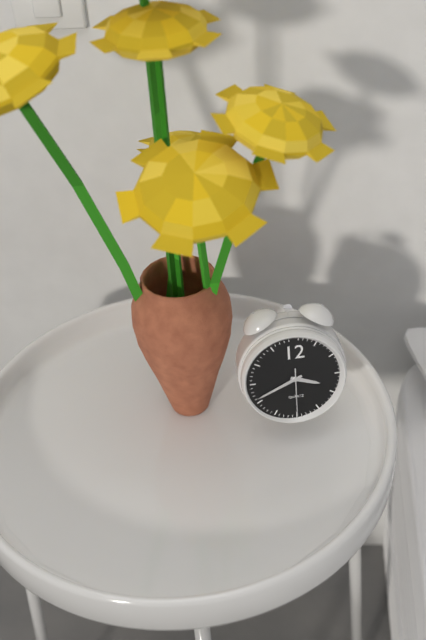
3:41
